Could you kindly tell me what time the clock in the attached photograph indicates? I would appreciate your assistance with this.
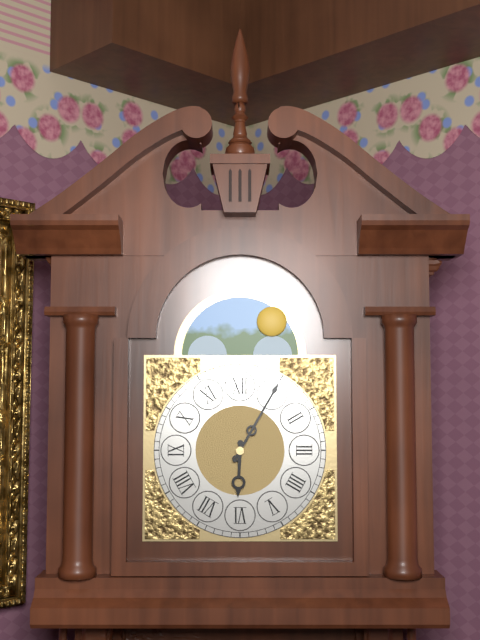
6:05
